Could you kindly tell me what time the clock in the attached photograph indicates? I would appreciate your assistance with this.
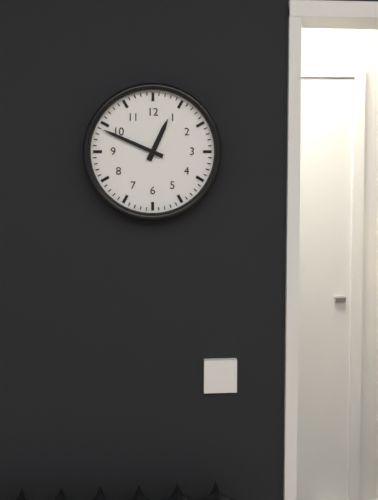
12:49
